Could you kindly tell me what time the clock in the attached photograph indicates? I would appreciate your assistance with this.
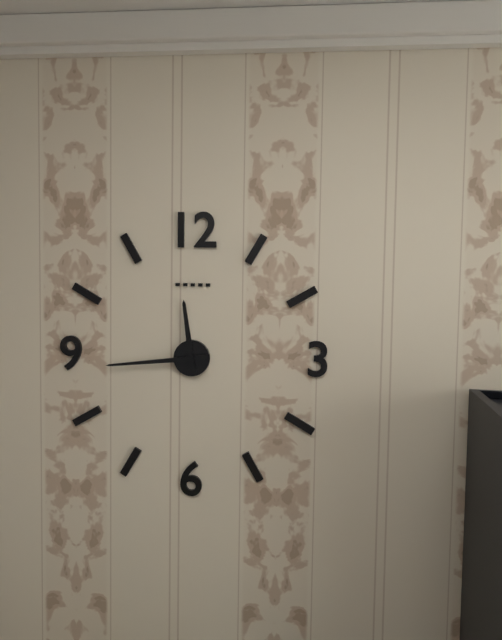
11:44
